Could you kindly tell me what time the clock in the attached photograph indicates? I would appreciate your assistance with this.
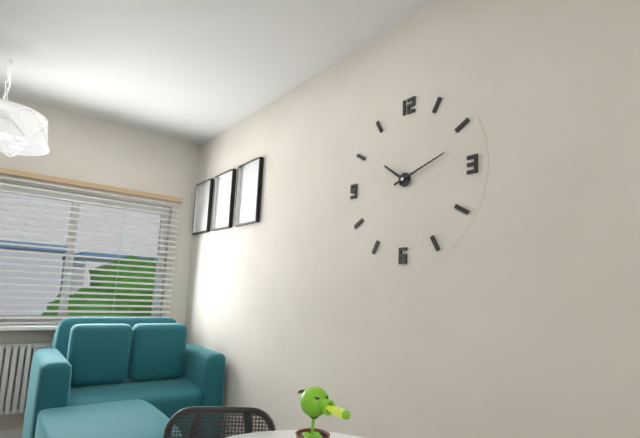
10:12
